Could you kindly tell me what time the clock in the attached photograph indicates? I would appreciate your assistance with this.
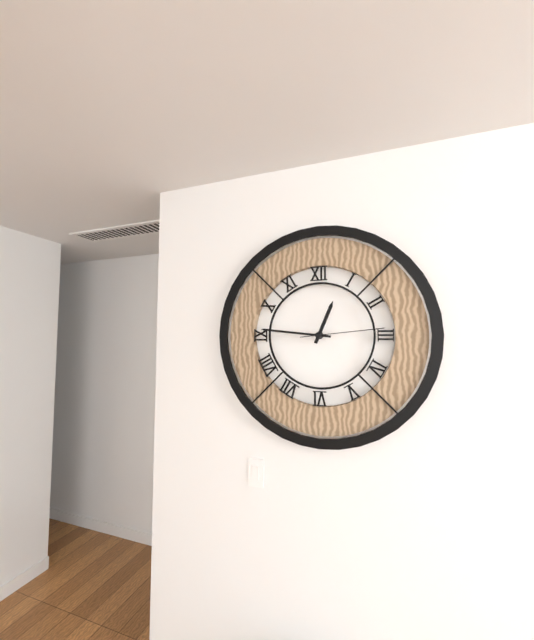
12:46:14
